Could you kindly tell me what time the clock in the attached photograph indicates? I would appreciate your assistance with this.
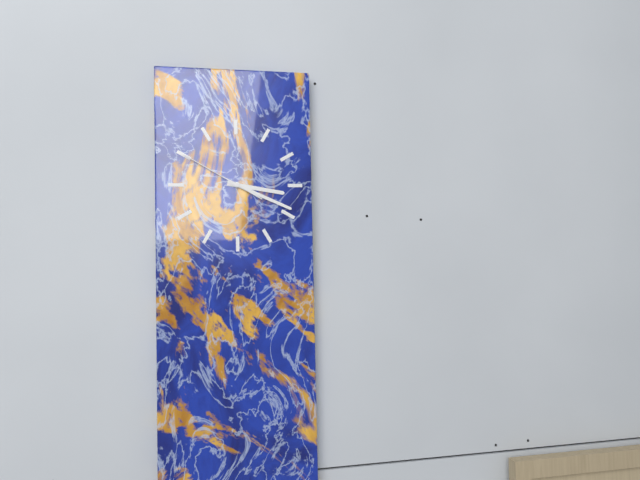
3:19:50
